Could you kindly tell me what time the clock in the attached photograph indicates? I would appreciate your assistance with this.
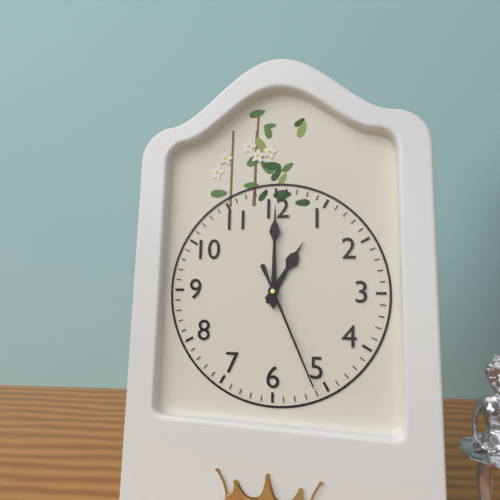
1:00:26
